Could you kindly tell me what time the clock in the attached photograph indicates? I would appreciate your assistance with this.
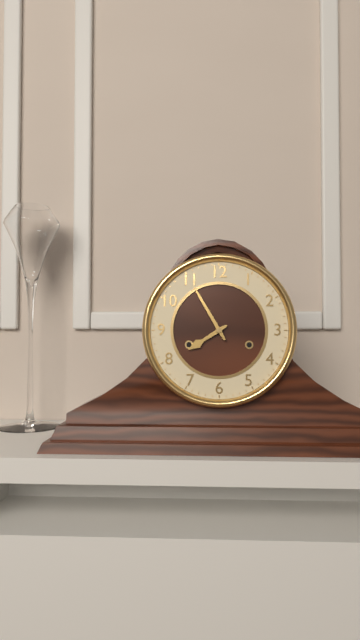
7:55
